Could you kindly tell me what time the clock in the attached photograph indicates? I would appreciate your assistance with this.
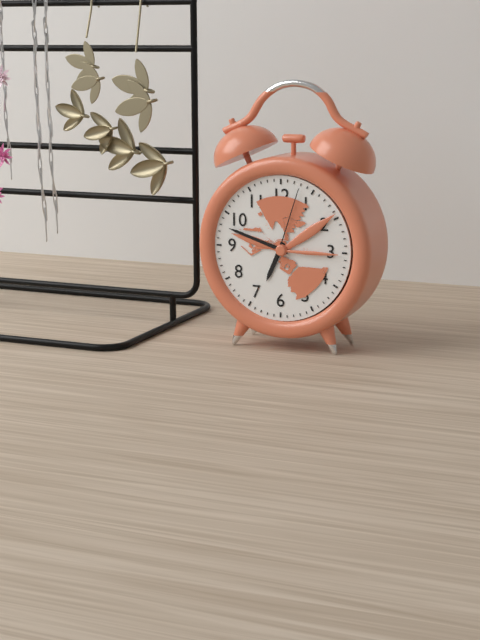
6:48:03
